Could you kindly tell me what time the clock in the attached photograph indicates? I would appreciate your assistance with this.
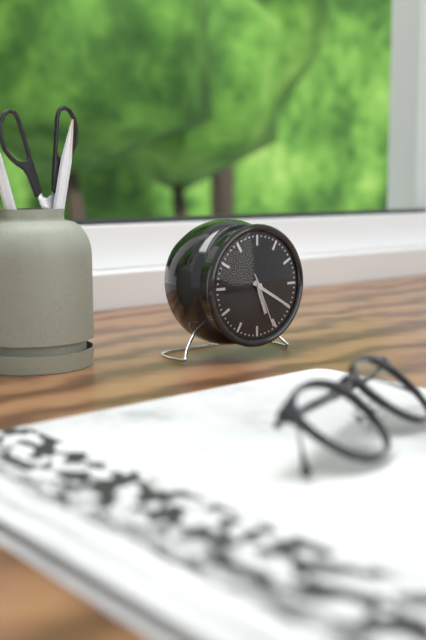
5:20:26
